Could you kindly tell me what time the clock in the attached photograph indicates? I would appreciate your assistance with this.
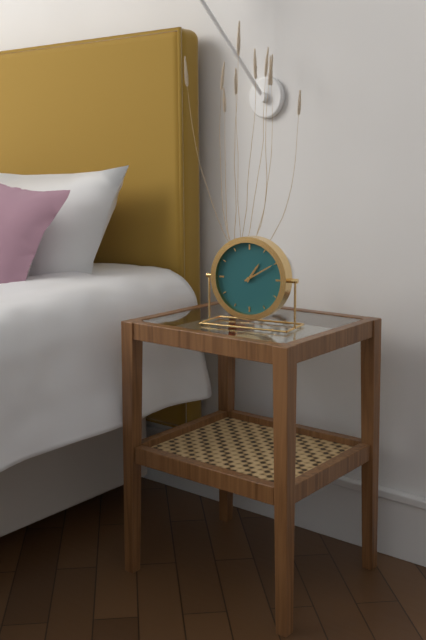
1:10
